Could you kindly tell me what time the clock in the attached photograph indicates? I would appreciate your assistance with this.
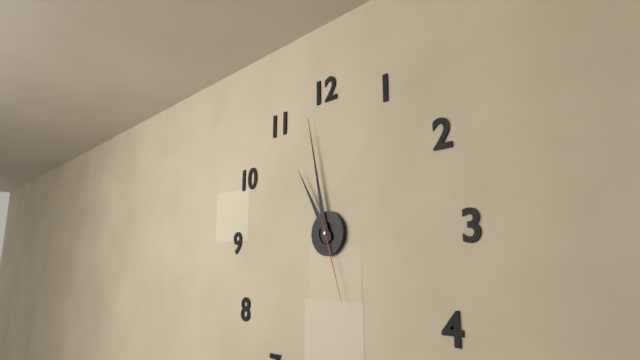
10:58:27
